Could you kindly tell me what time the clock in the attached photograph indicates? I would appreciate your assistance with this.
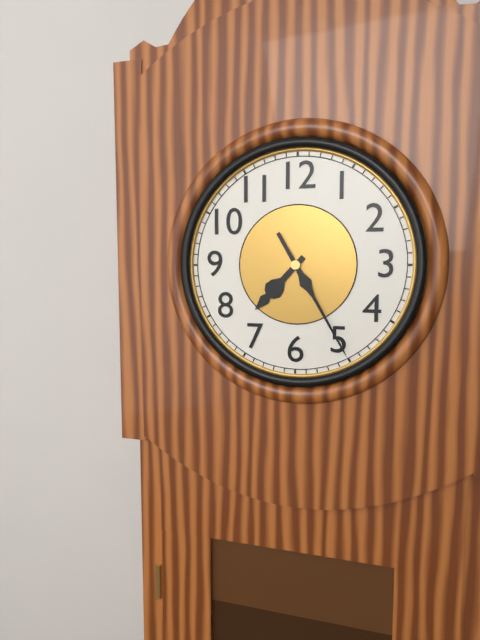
7:25
